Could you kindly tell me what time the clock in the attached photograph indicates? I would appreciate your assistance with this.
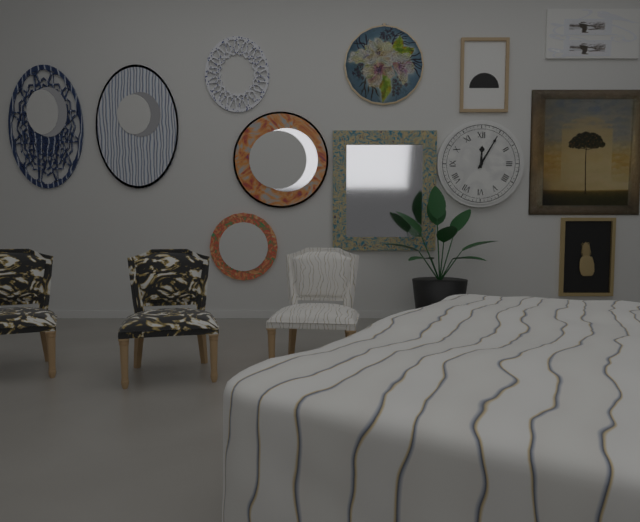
12:05
